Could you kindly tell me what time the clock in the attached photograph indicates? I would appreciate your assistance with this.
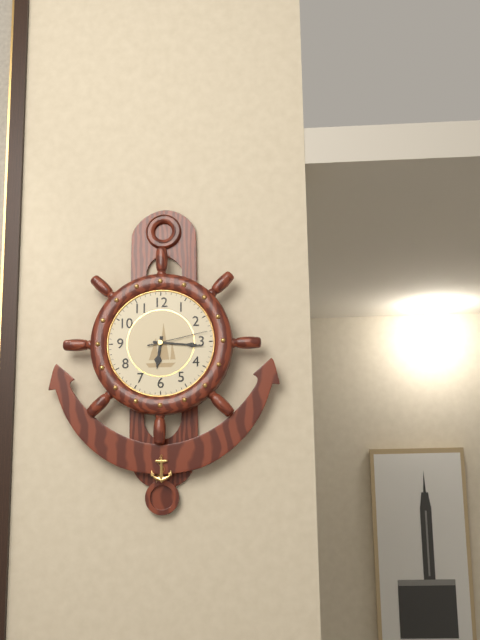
6:16:13
